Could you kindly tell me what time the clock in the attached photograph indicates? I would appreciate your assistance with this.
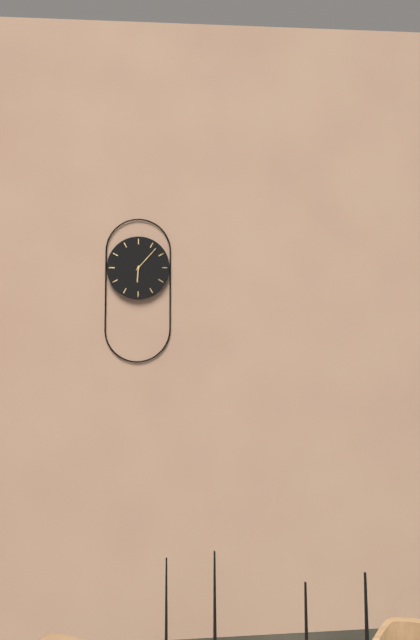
6:07
